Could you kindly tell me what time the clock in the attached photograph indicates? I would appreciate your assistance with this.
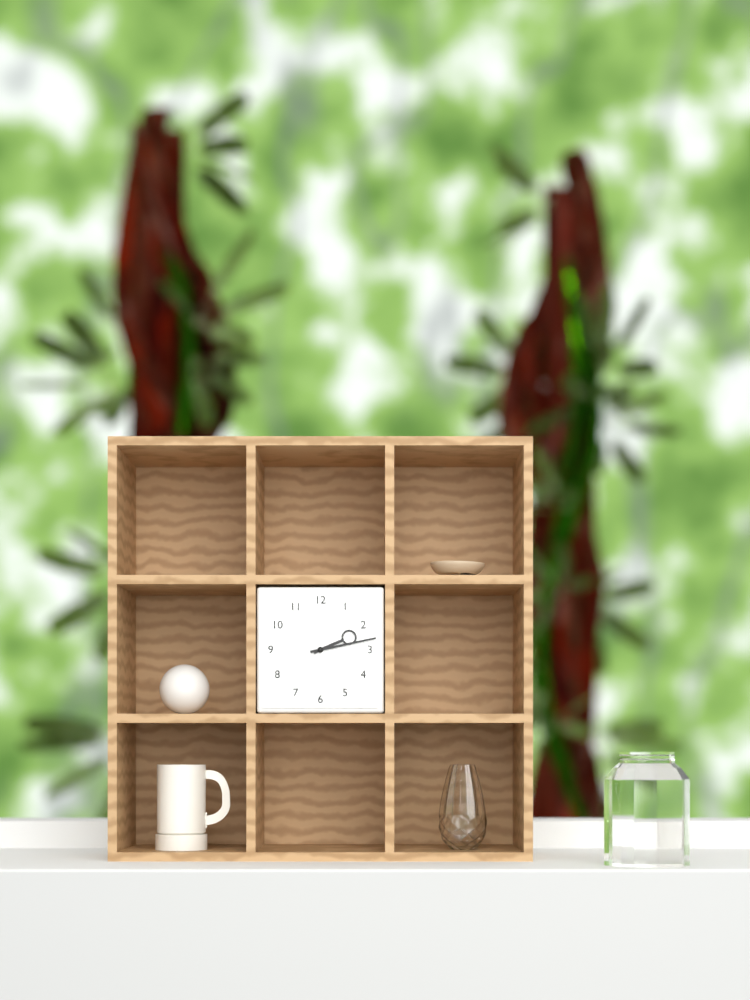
2:13
